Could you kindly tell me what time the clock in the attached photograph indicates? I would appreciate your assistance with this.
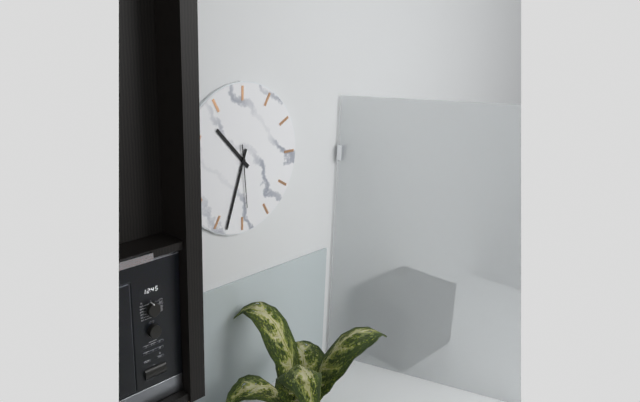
10:33:29
